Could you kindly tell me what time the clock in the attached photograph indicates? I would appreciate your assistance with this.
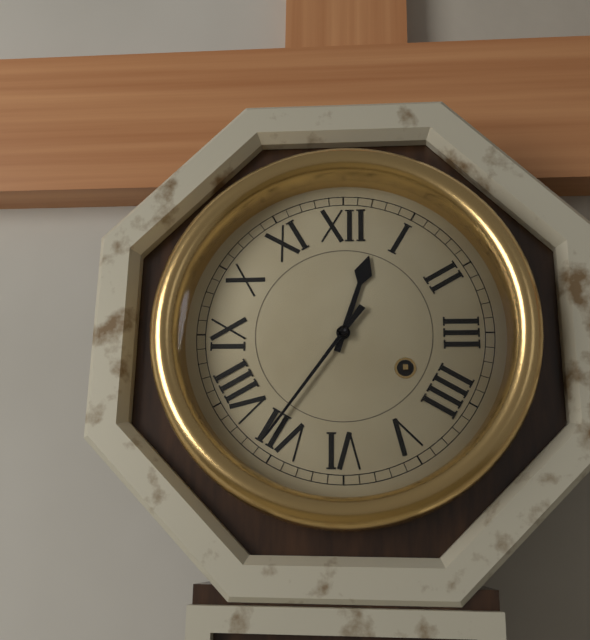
12:36
